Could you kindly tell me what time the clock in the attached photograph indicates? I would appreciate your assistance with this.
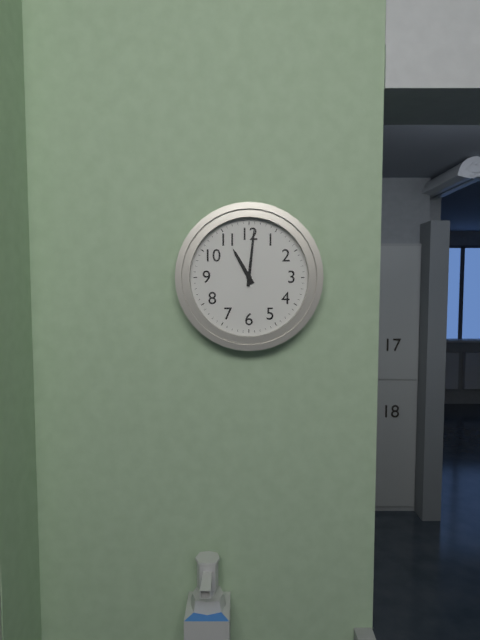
11:01
